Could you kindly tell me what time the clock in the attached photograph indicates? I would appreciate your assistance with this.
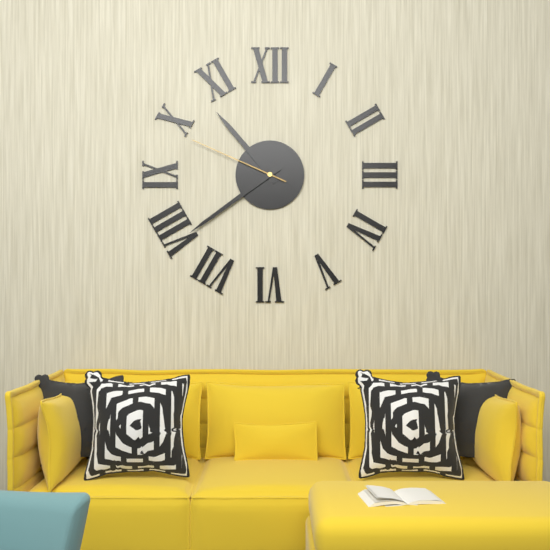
10:39:49
